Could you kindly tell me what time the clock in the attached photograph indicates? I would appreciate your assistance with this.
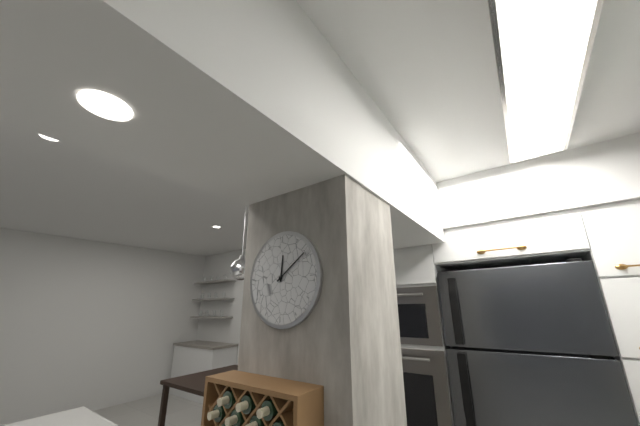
12:09
